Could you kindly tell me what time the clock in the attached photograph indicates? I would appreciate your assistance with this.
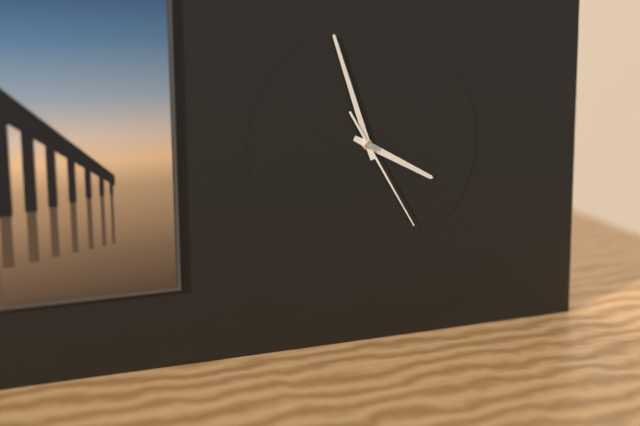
3:57:25
